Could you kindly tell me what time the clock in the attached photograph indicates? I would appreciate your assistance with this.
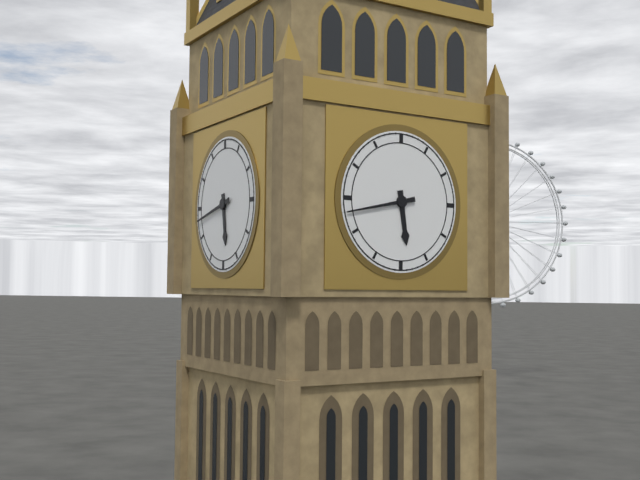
5:43
